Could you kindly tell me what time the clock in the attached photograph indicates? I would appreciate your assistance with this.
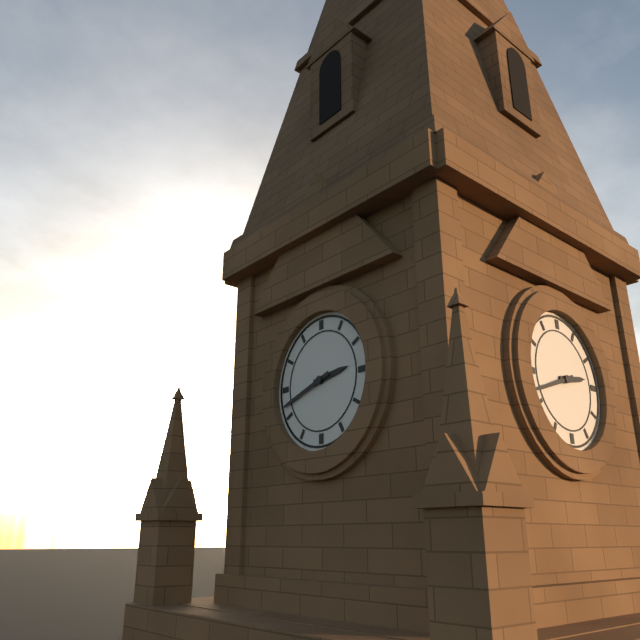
2:42
